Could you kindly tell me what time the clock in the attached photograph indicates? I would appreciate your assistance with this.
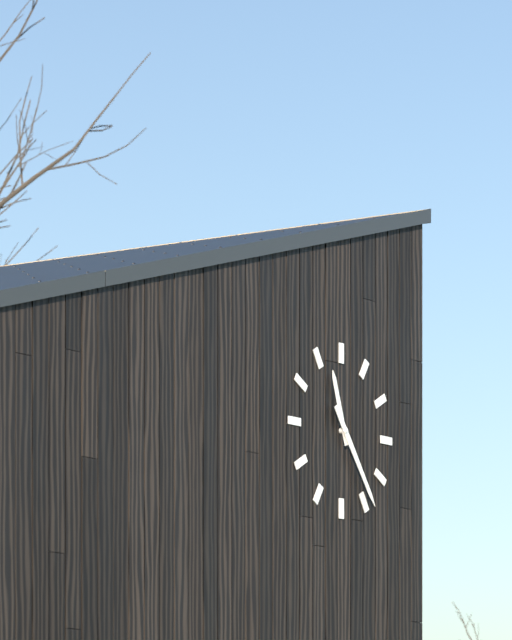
11:24
